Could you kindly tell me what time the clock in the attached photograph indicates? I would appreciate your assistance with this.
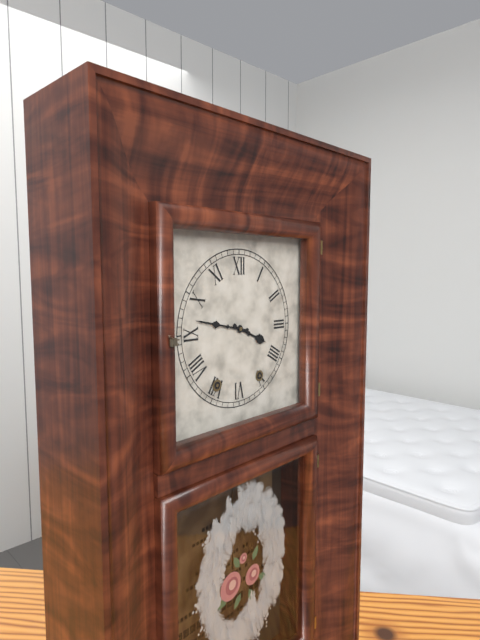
3:47
